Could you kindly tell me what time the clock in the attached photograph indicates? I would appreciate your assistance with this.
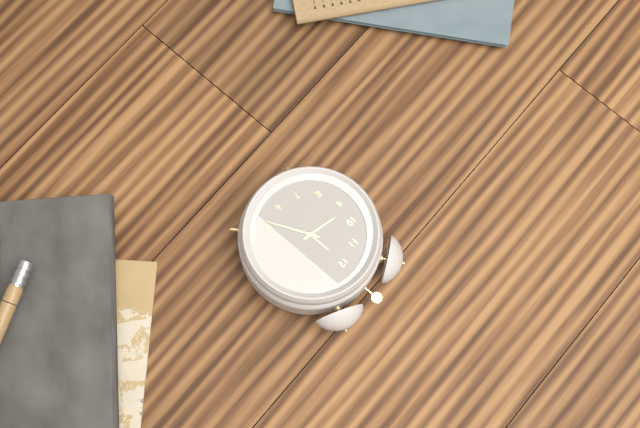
9:26
